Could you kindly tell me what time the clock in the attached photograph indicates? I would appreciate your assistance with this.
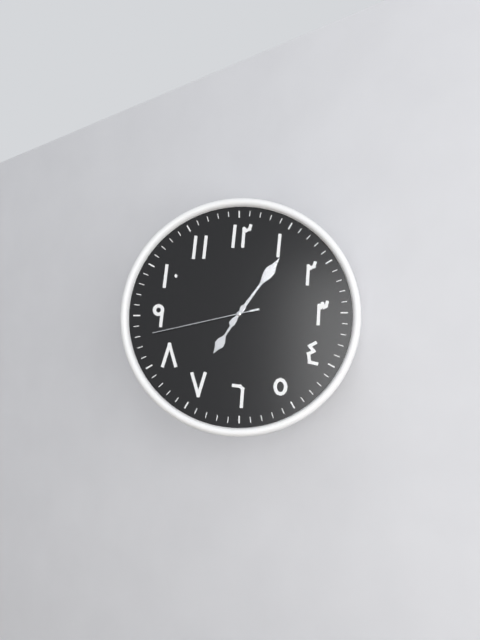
7:06:43
